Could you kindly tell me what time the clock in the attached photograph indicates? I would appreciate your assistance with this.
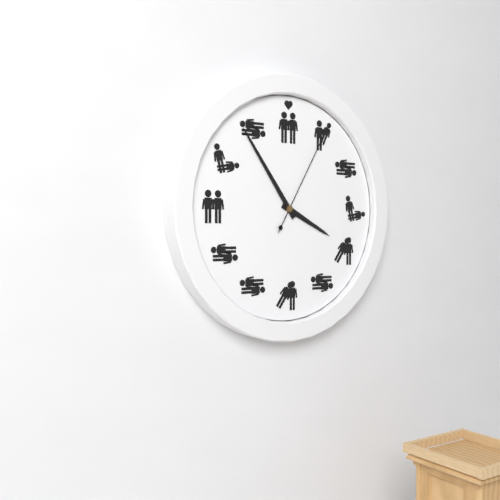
3:54:05
